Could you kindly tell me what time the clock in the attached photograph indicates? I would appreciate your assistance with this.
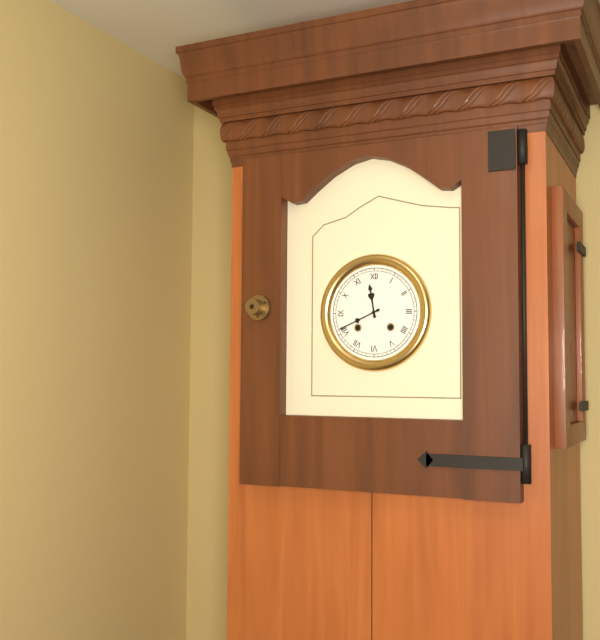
11:41
